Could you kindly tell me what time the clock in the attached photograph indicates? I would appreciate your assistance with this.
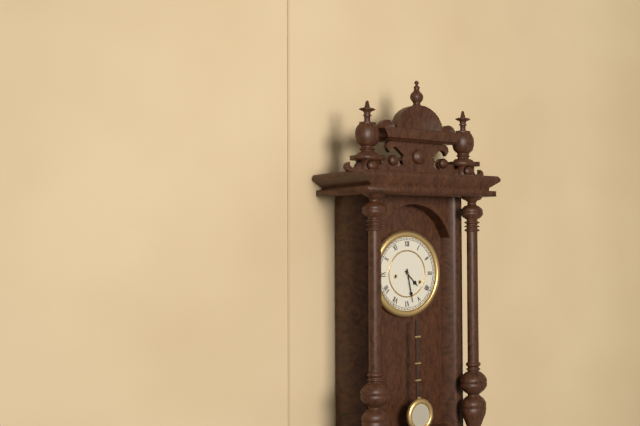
4:28
